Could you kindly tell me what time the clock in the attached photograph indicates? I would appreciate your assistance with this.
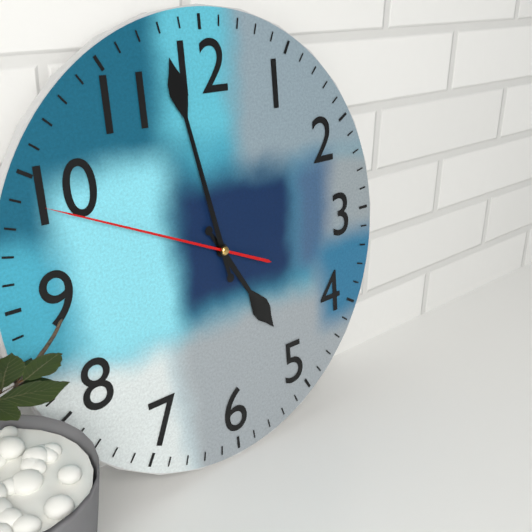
4:58:49
